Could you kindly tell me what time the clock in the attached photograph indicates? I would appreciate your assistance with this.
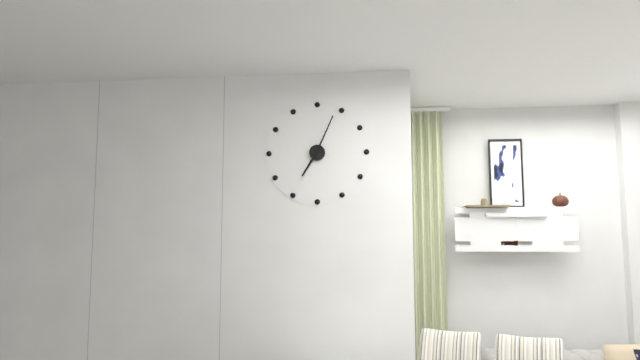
7:04
